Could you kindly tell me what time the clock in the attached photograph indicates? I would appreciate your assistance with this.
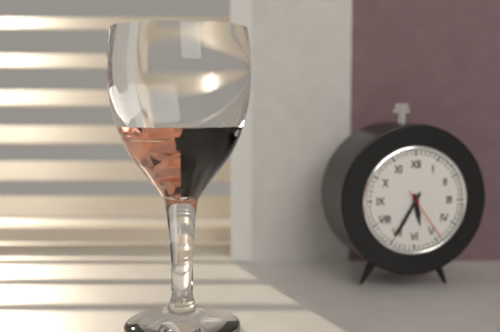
5:35:24
